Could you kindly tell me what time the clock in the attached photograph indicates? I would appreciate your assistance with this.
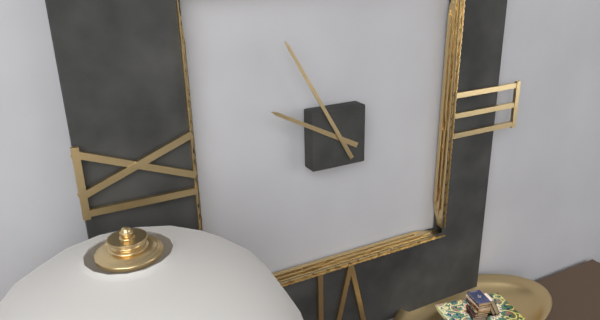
9:55
